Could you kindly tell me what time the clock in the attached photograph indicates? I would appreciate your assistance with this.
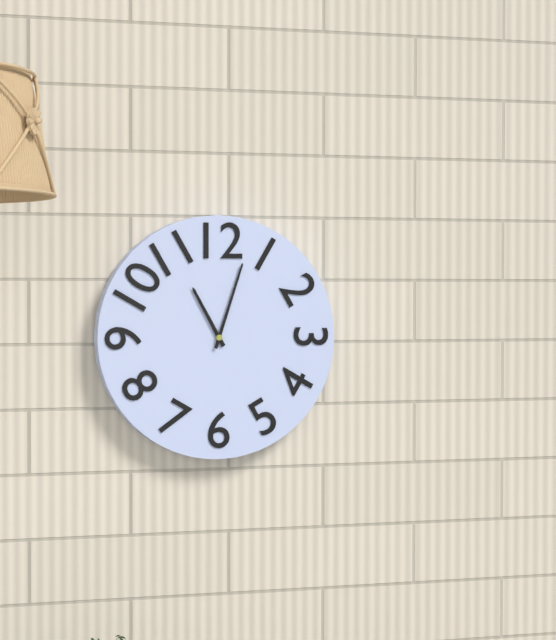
11:03
